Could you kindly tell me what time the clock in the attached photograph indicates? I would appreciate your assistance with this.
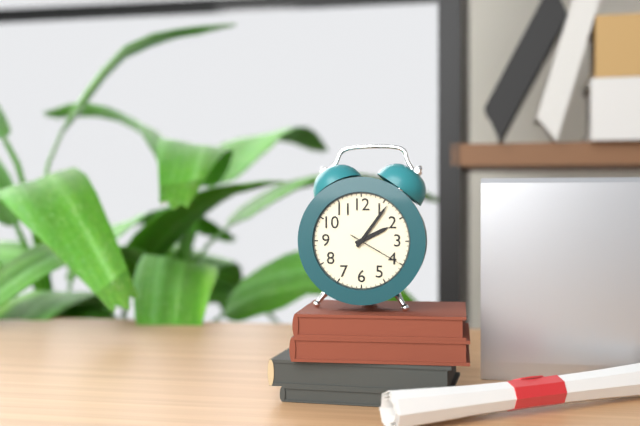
2:06:20
